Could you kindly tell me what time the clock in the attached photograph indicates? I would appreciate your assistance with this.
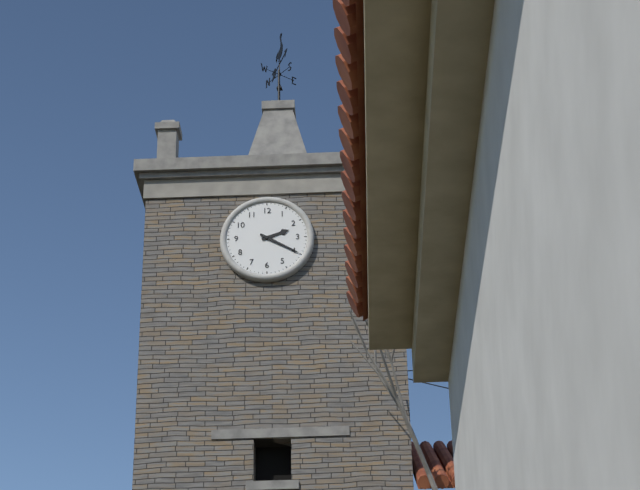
2:20
